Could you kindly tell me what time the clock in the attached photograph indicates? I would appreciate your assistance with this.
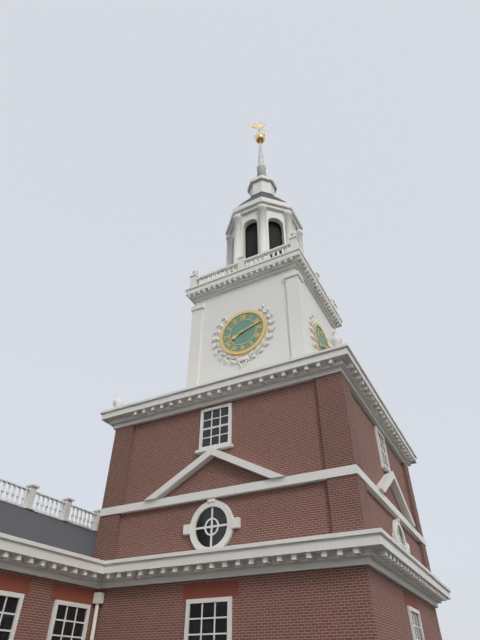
8:12
